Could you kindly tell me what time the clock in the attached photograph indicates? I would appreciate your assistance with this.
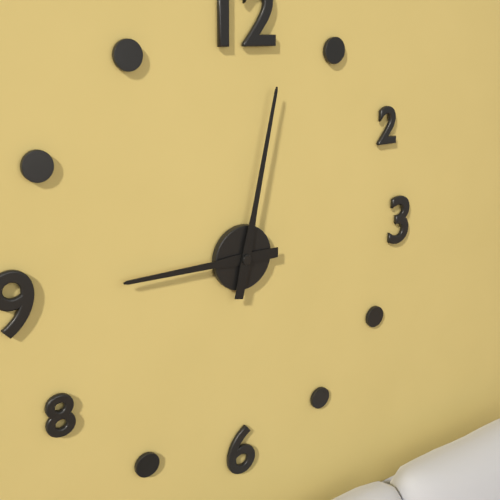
9:02
